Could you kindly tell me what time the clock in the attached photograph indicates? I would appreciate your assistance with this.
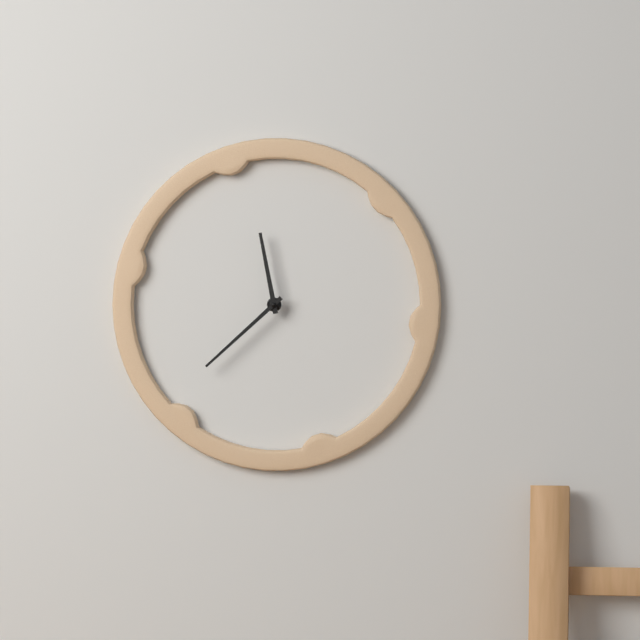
11:38
